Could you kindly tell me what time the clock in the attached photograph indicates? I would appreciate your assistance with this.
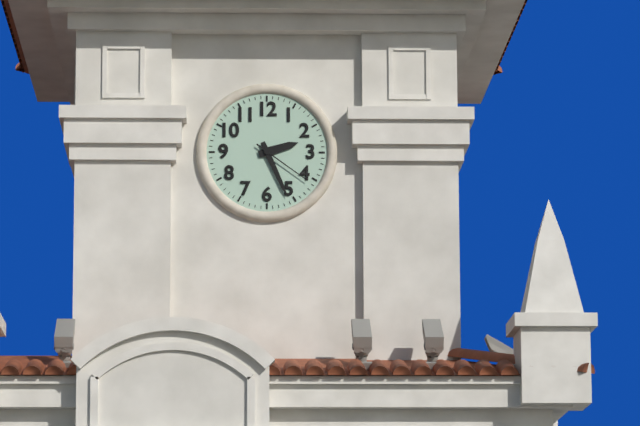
2:26:21
